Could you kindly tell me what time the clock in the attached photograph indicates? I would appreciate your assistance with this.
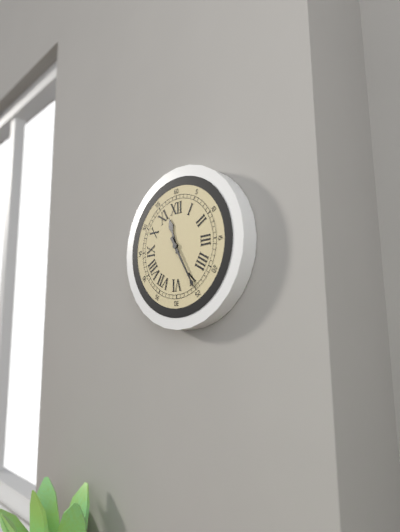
11:25
